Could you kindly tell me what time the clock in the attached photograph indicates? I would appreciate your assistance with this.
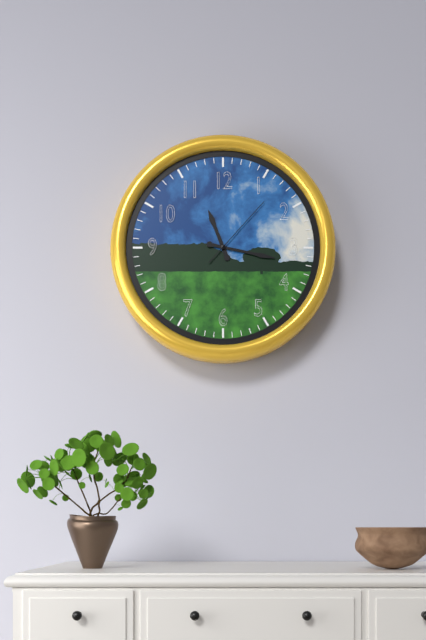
11:17:07
